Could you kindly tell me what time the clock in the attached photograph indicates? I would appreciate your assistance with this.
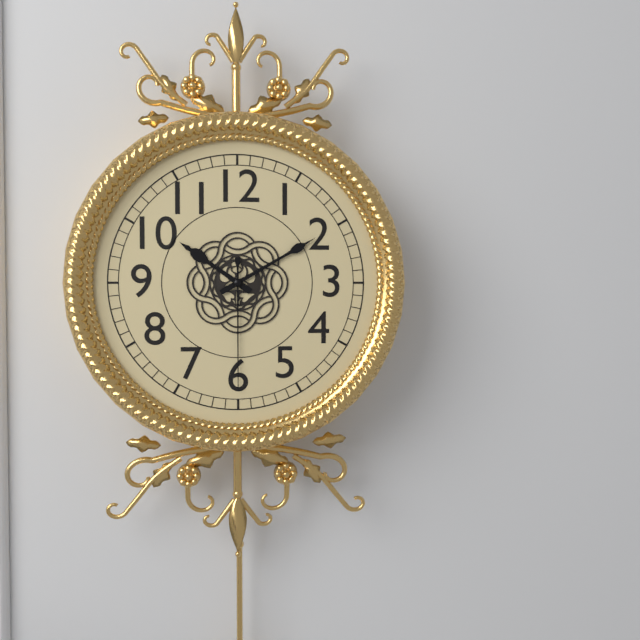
10:10:30
